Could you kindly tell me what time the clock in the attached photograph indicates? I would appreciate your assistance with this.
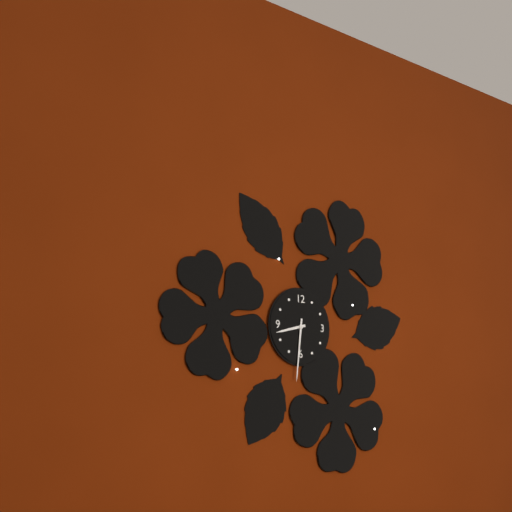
8:31
